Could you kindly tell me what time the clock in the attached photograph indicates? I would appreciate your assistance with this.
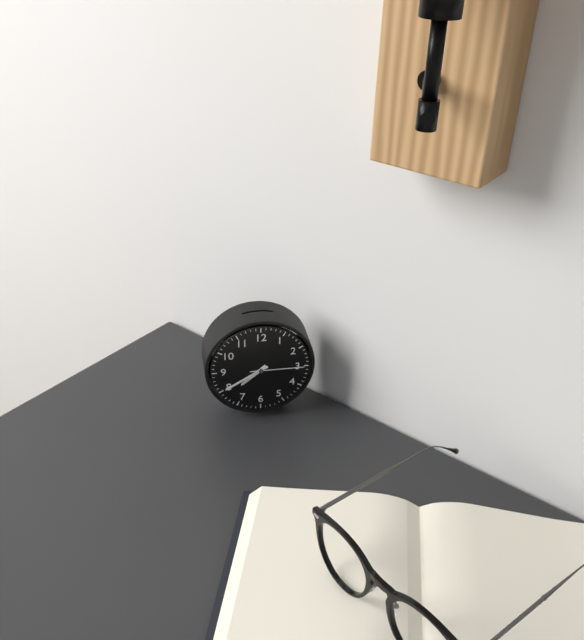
7:40:15
